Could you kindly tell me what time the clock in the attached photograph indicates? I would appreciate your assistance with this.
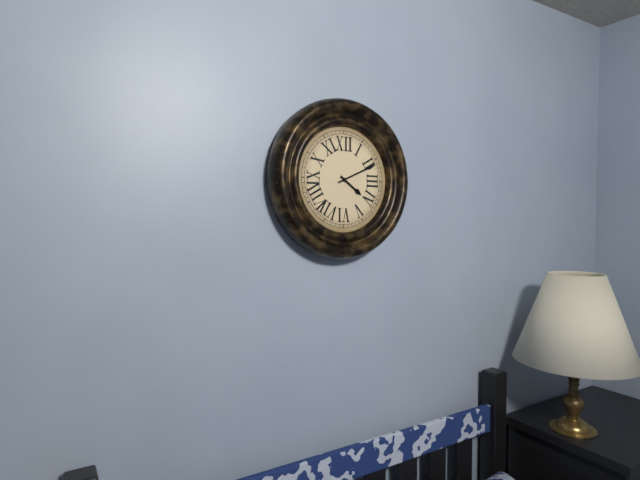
4:11
